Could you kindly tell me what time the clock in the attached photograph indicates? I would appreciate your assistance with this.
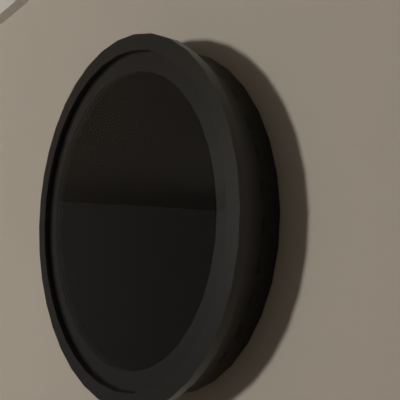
8:20
